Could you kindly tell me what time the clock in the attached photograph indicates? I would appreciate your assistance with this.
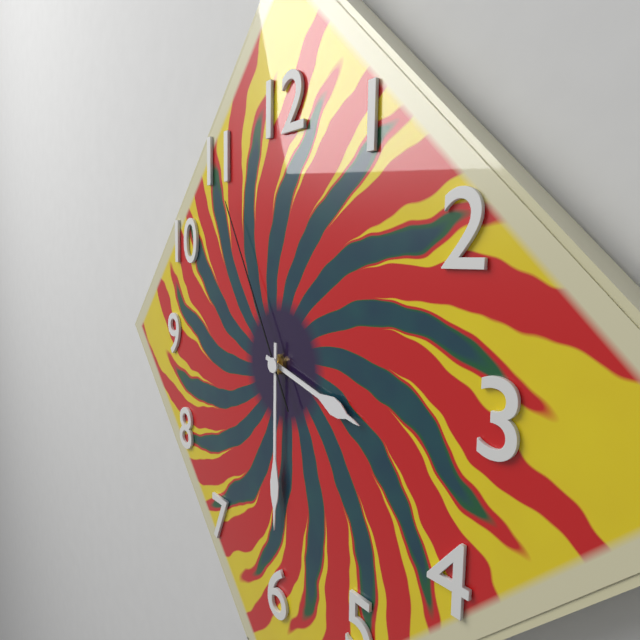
3:30:55
